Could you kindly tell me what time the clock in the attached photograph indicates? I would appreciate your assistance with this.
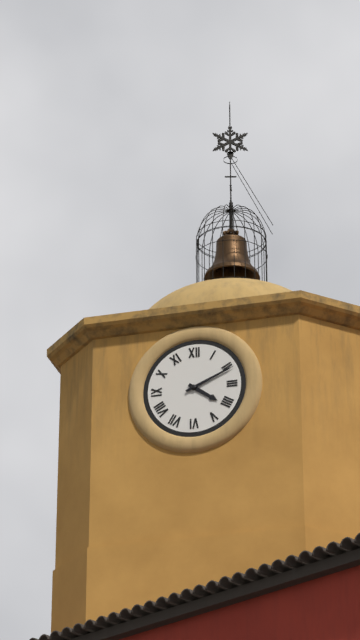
4:11
